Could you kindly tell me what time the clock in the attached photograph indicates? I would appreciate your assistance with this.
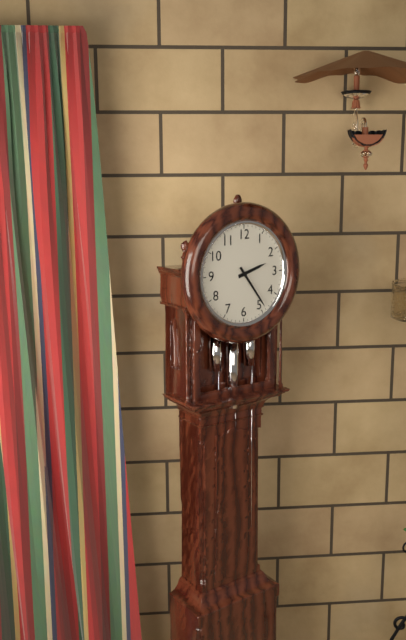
2:24
